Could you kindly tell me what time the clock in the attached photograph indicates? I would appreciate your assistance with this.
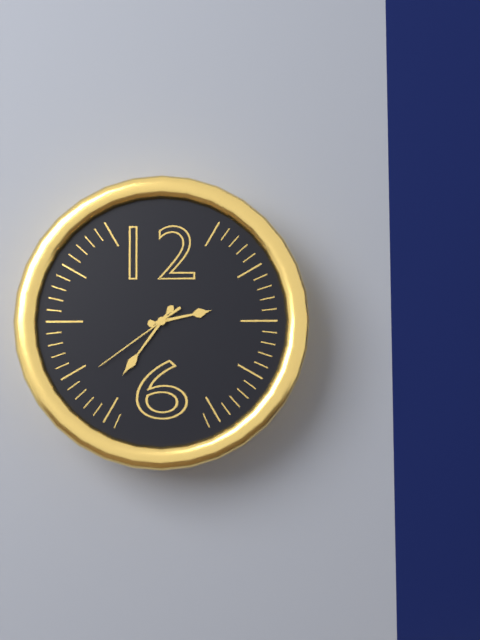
2:36:39
